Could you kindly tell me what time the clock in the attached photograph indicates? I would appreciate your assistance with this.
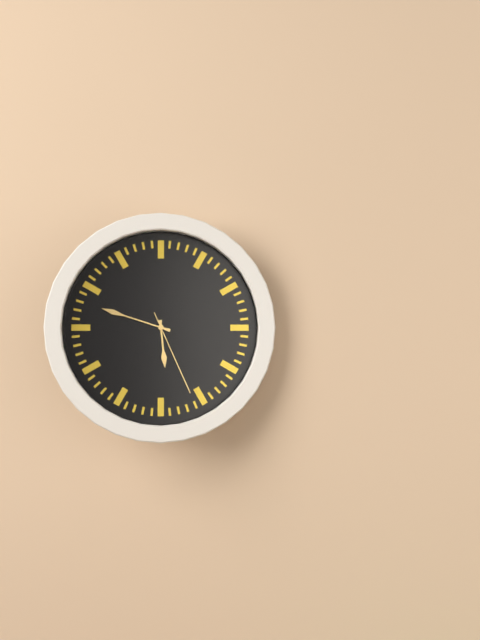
5:48:26
